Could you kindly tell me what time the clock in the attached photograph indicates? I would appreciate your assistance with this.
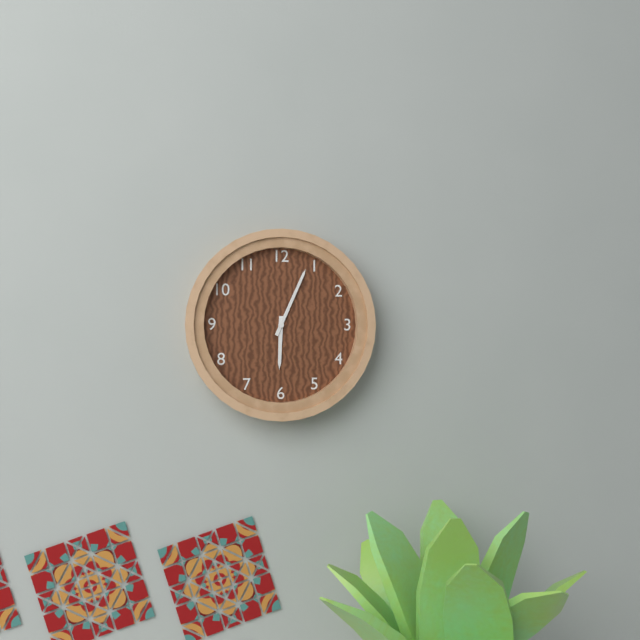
6:04
